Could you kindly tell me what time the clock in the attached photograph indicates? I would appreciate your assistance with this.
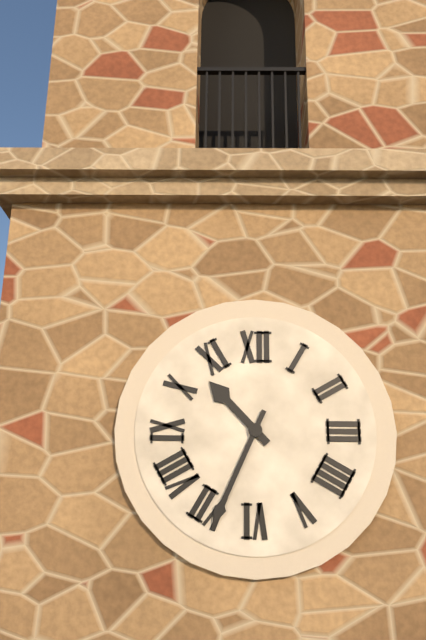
10:34
